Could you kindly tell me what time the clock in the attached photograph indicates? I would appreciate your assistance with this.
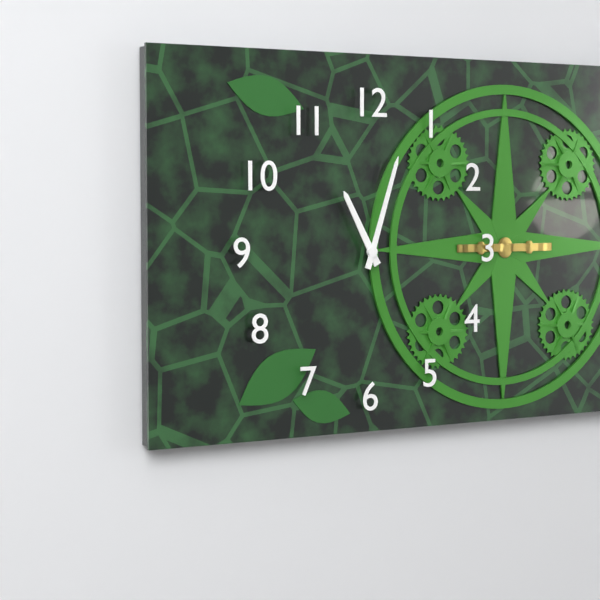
11:03
